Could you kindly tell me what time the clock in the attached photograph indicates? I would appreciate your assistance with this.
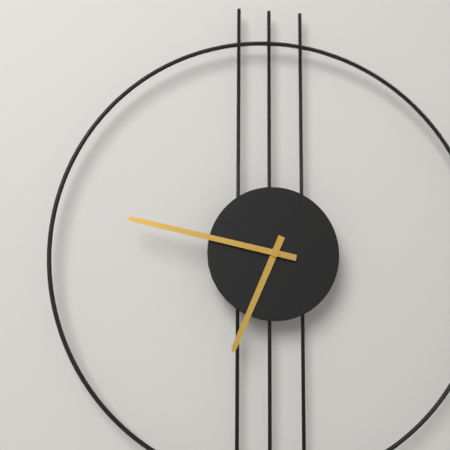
6:47
